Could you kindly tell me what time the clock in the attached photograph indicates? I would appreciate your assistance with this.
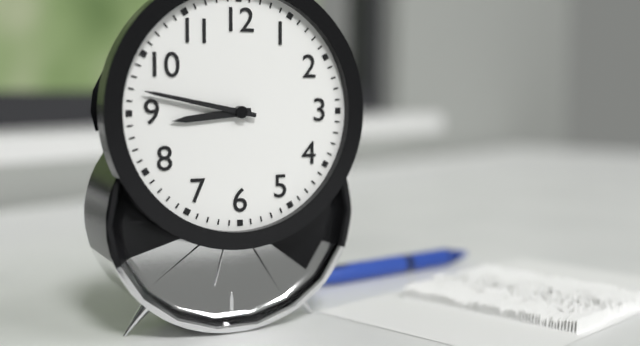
8:47
